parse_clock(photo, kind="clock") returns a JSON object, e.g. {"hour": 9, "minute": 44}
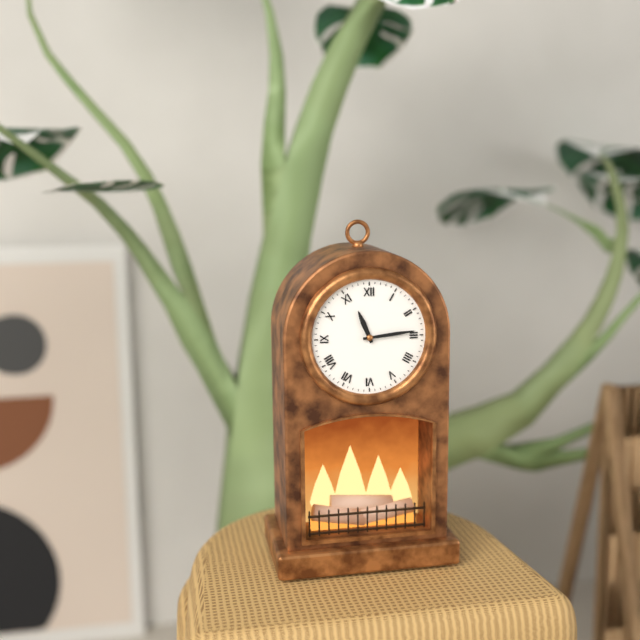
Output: {"hour": 11, "minute": 14}
